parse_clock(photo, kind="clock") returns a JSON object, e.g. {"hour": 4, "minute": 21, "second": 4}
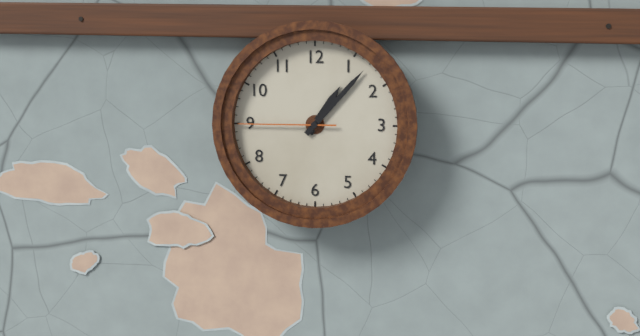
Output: {"hour": 1, "minute": 7, "second": 45}
